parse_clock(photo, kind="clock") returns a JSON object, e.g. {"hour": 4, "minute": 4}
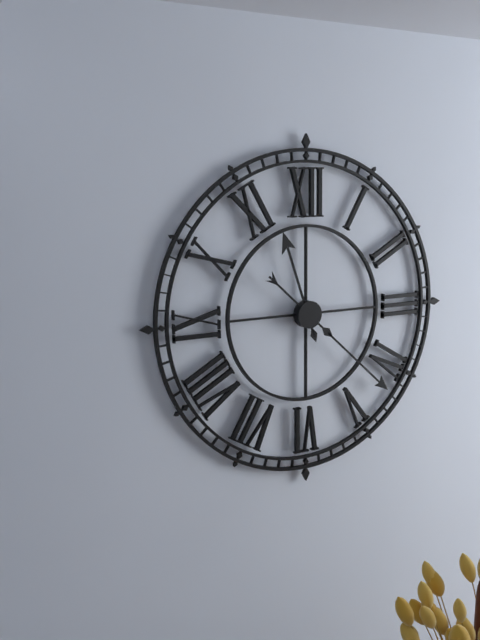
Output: {"hour": 11, "minute": 22}
